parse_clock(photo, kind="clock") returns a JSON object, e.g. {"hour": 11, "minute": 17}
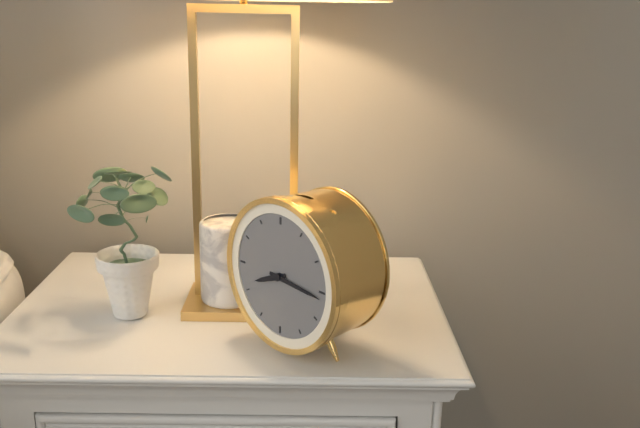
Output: {"hour": 8, "minute": 16}
